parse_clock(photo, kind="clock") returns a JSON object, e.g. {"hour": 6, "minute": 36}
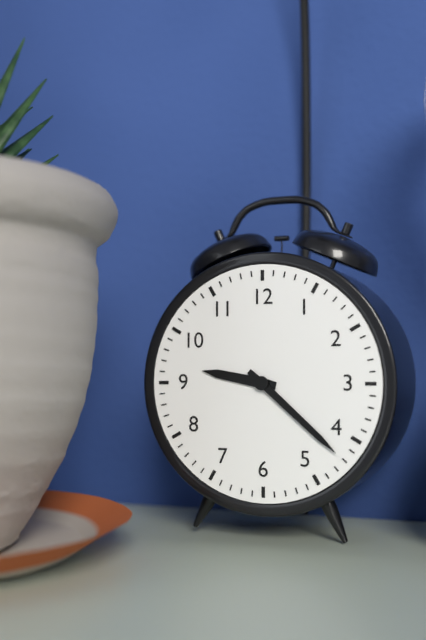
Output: {"hour": 9, "minute": 22}
